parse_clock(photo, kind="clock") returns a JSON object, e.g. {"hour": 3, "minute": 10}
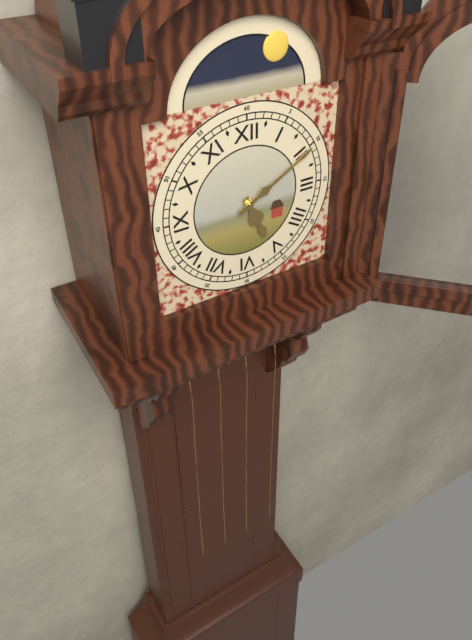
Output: {"hour": 5, "minute": 10}
